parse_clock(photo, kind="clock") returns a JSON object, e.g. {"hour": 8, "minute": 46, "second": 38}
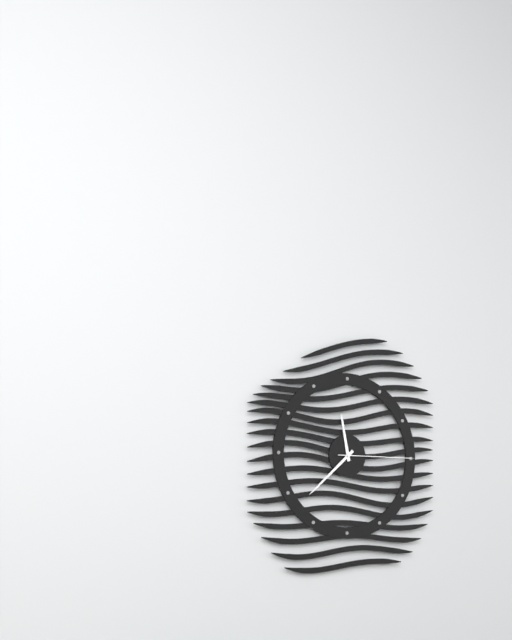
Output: {"hour": 11, "minute": 38, "second": 15}
